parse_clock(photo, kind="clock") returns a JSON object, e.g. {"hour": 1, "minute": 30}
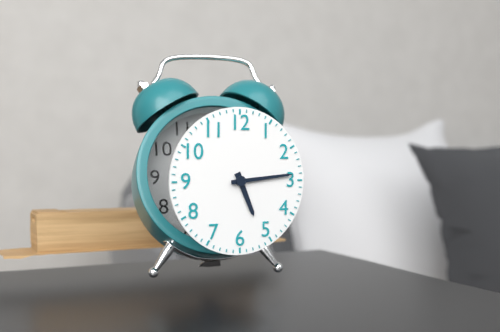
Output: {"hour": 5, "minute": 14}
